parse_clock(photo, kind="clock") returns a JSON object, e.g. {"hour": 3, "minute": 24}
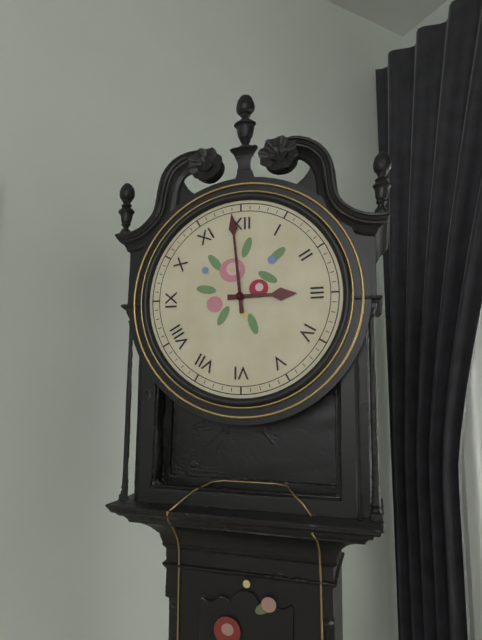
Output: {"hour": 2, "minute": 59}
